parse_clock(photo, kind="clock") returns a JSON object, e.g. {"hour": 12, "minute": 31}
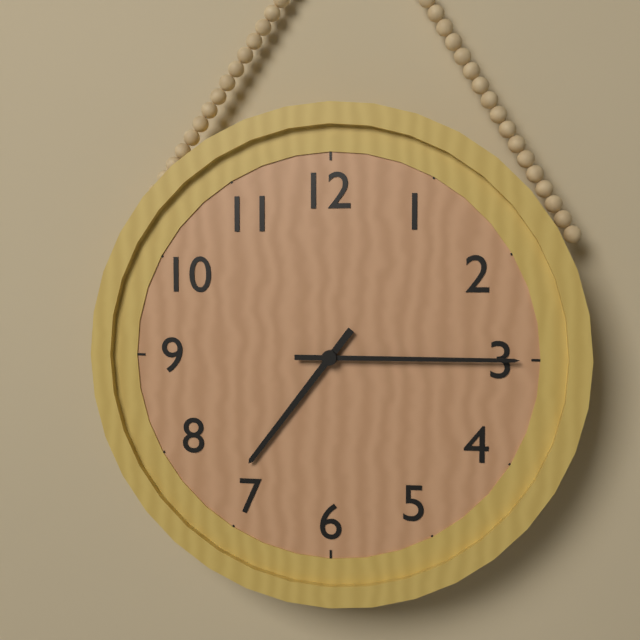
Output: {"hour": 7, "minute": 15}
